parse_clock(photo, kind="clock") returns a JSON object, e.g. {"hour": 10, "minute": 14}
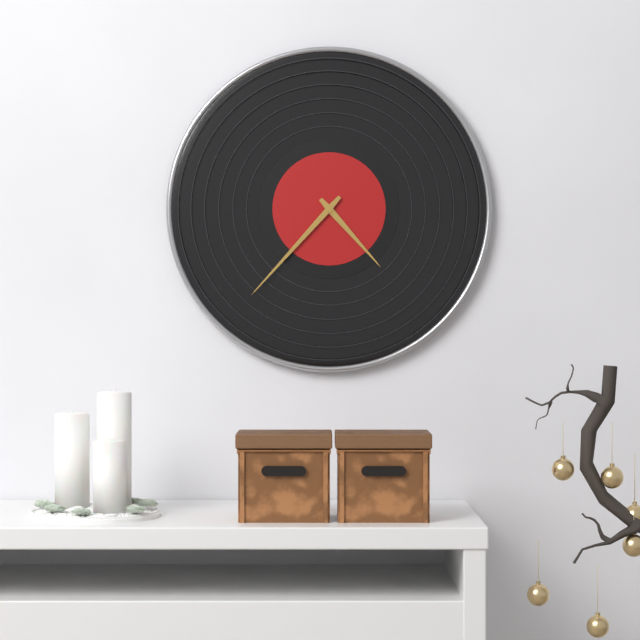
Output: {"hour": 4, "minute": 37}
